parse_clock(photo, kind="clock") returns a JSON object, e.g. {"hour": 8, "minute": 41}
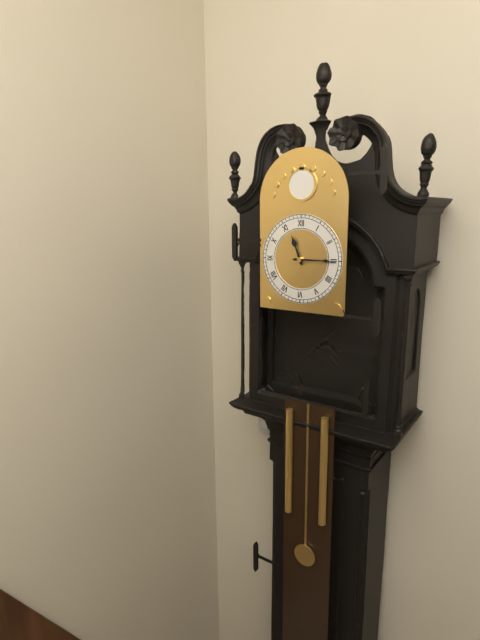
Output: {"hour": 11, "minute": 15}
